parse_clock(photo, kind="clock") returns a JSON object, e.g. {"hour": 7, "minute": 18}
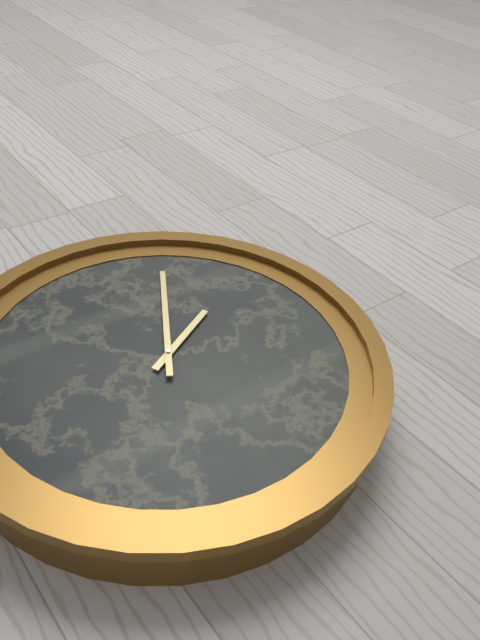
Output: {"hour": 2, "minute": 5}
